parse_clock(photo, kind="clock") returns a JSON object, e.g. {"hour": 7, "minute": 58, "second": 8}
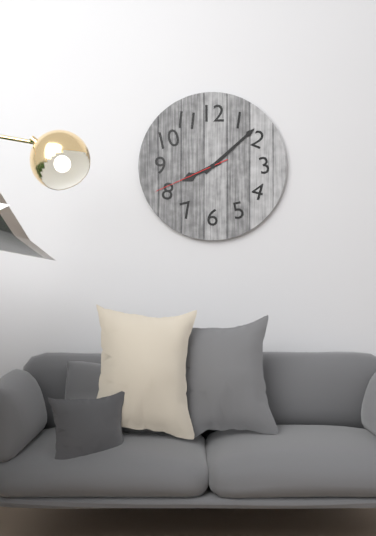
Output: {"hour": 8, "minute": 8, "second": 41}
